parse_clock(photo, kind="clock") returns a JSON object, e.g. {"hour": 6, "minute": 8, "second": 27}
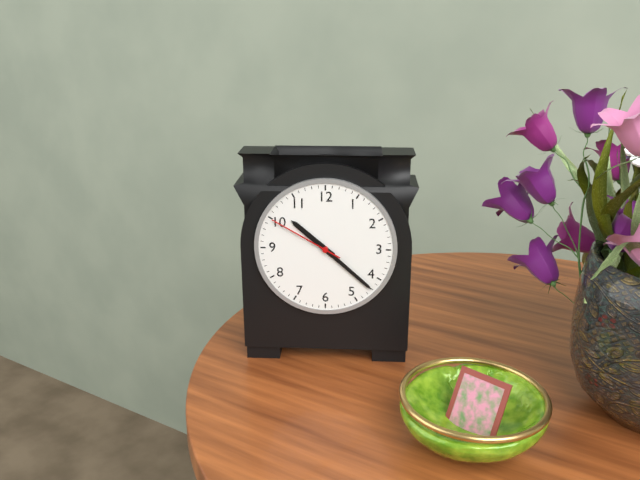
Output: {"hour": 10, "minute": 22, "second": 50}
